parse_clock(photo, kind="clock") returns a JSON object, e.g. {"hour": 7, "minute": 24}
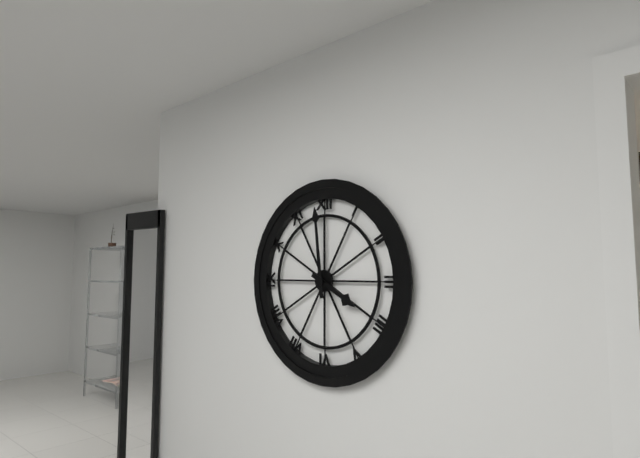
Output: {"hour": 3, "minute": 59}
